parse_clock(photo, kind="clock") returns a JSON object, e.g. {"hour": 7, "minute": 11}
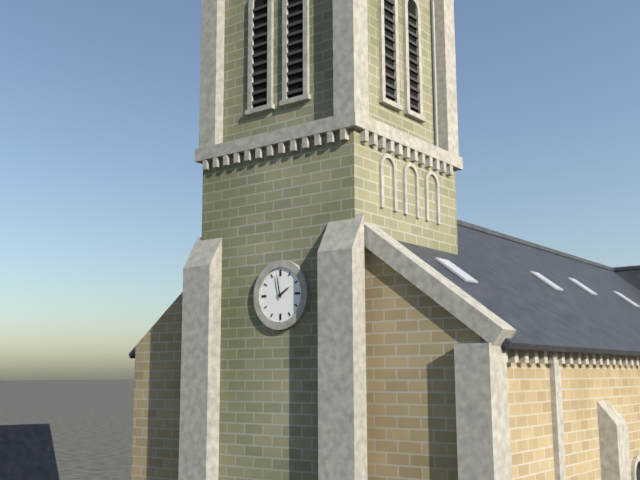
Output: {"hour": 1, "minute": 58}
